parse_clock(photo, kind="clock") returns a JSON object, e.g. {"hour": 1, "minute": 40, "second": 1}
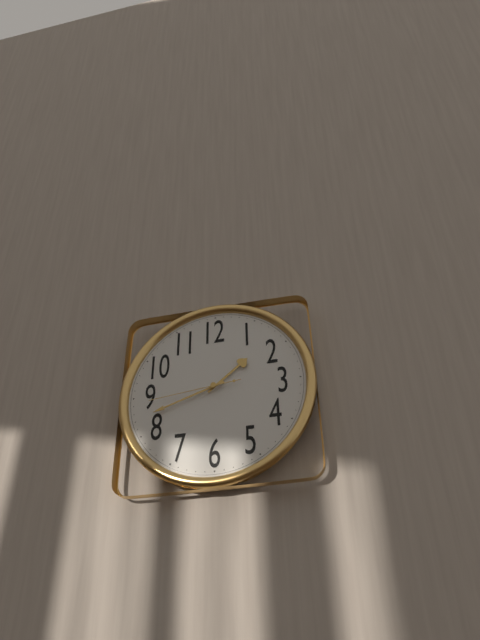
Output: {"hour": 1, "minute": 42, "second": 44}
